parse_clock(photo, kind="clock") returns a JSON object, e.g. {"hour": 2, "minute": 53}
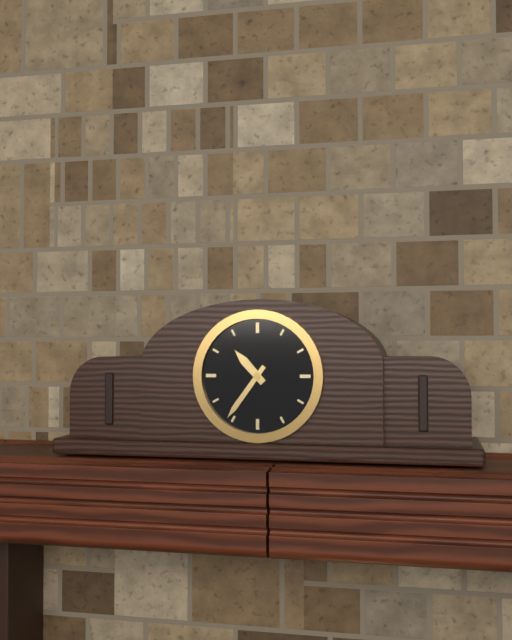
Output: {"hour": 10, "minute": 36}
